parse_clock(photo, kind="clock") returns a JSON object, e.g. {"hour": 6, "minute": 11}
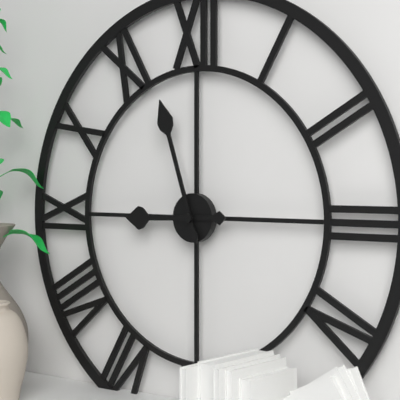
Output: {"hour": 8, "minute": 57}
